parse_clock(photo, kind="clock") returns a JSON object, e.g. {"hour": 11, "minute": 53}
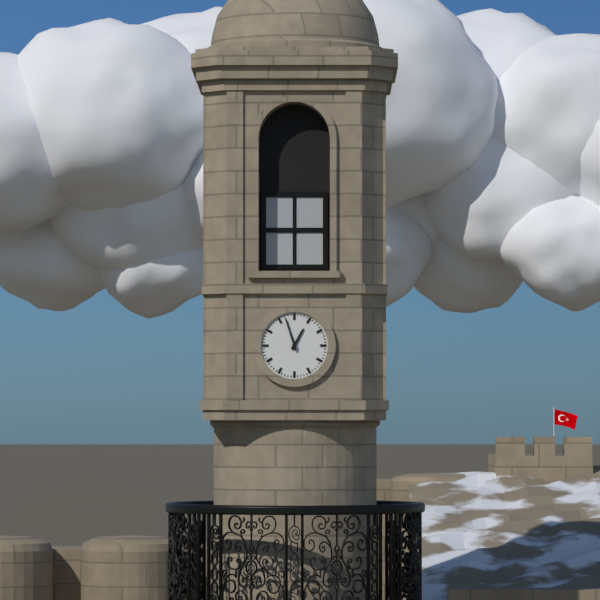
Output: {"hour": 12, "minute": 57}
